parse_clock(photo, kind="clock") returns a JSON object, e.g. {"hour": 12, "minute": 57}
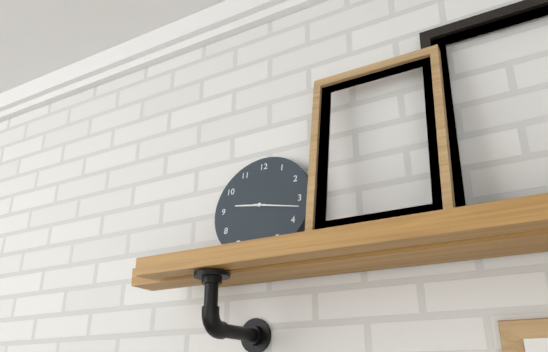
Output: {"hour": 9, "minute": 17}
